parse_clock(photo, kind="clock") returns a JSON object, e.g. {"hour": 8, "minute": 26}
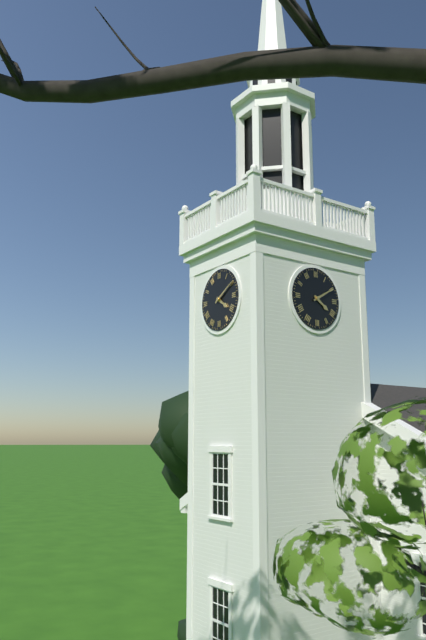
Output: {"hour": 4, "minute": 10}
